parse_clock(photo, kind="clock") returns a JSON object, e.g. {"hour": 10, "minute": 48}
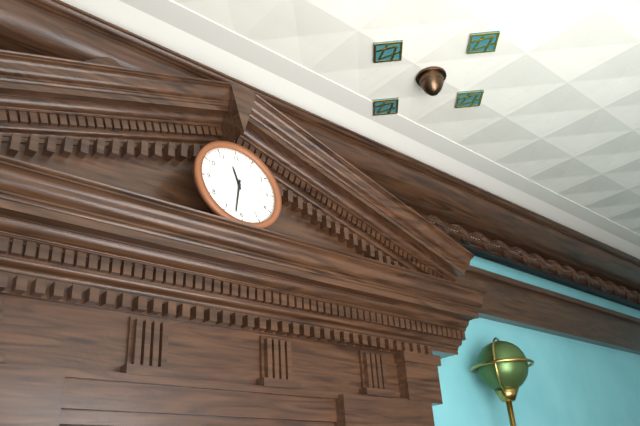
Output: {"hour": 11, "minute": 32}
